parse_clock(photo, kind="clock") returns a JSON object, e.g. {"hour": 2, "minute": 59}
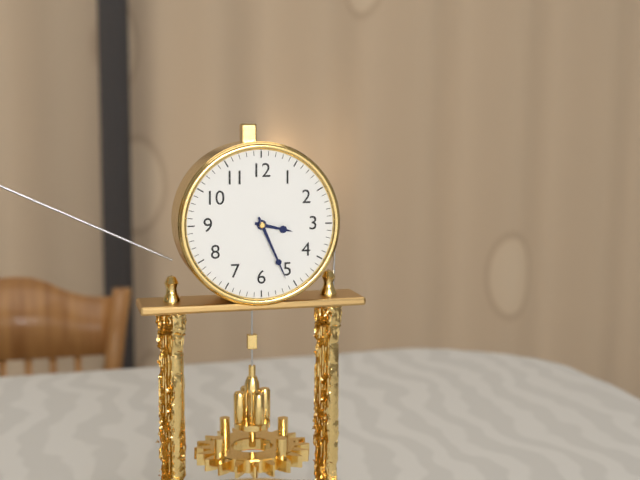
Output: {"hour": 3, "minute": 26}
